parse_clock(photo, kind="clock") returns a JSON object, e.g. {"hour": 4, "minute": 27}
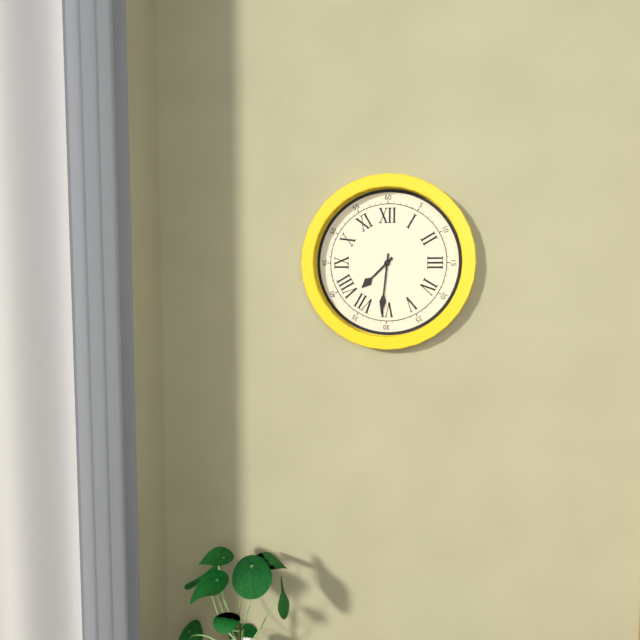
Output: {"hour": 7, "minute": 31}
